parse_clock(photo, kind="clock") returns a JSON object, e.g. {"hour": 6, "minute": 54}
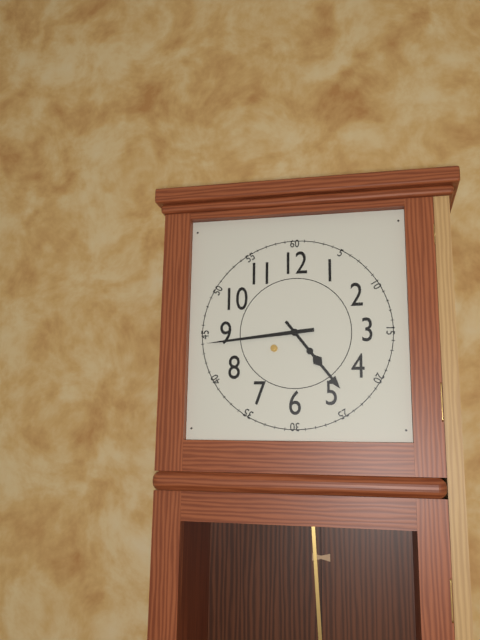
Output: {"hour": 4, "minute": 44}
